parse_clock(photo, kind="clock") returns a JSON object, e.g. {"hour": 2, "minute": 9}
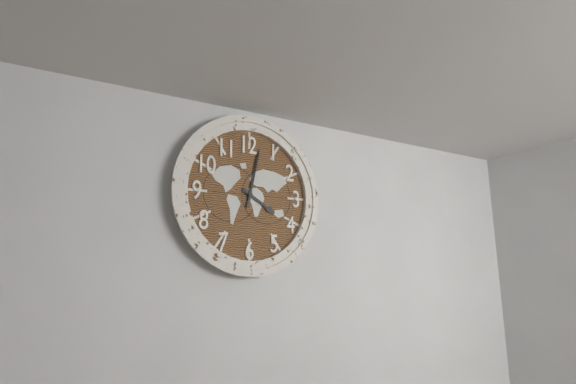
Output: {"hour": 4, "minute": 2}
